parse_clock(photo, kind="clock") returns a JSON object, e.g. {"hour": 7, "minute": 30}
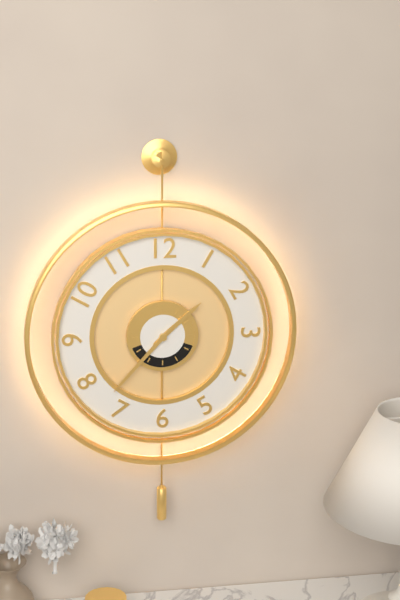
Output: {"hour": 1, "minute": 37}
